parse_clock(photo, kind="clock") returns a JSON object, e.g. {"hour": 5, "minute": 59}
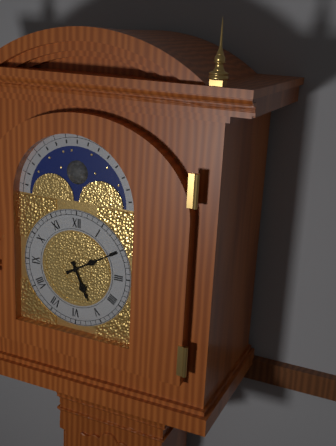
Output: {"hour": 5, "minute": 10}
